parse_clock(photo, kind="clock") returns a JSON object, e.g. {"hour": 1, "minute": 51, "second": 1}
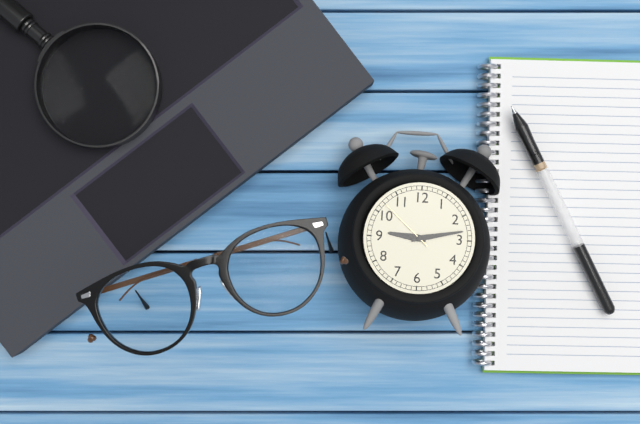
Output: {"hour": 9, "minute": 13, "second": 52}
